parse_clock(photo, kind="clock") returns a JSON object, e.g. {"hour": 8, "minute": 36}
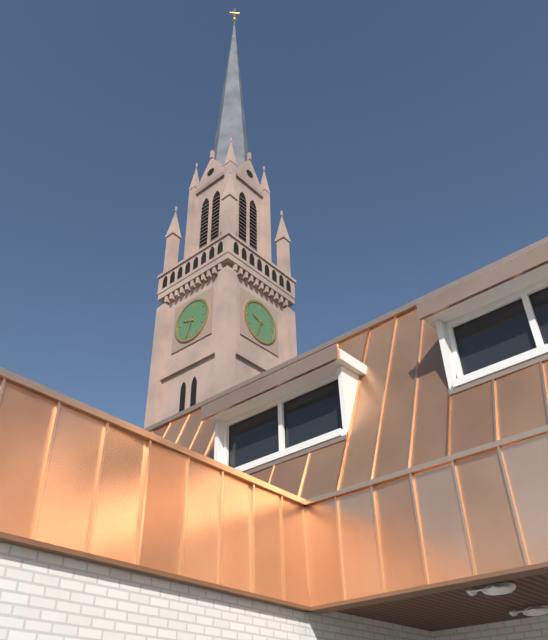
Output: {"hour": 9, "minute": 33}
